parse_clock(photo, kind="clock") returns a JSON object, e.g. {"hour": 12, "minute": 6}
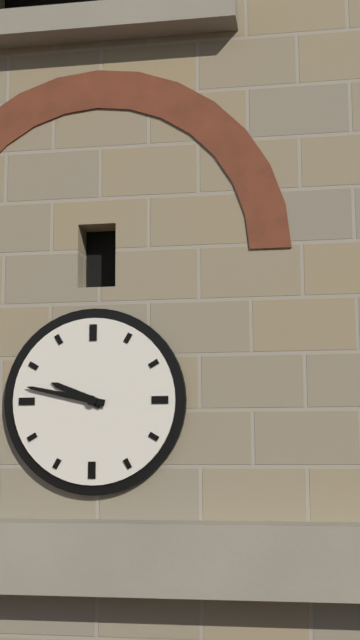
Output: {"hour": 9, "minute": 47}
